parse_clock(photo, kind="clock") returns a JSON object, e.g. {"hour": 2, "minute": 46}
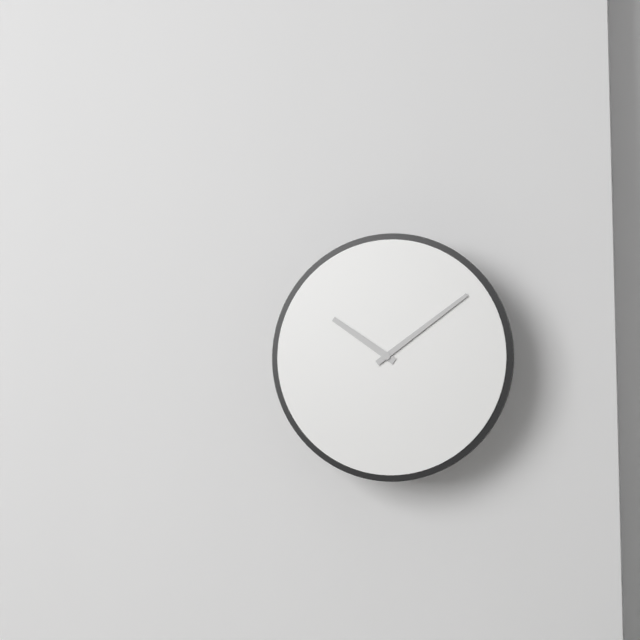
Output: {"hour": 10, "minute": 9}
